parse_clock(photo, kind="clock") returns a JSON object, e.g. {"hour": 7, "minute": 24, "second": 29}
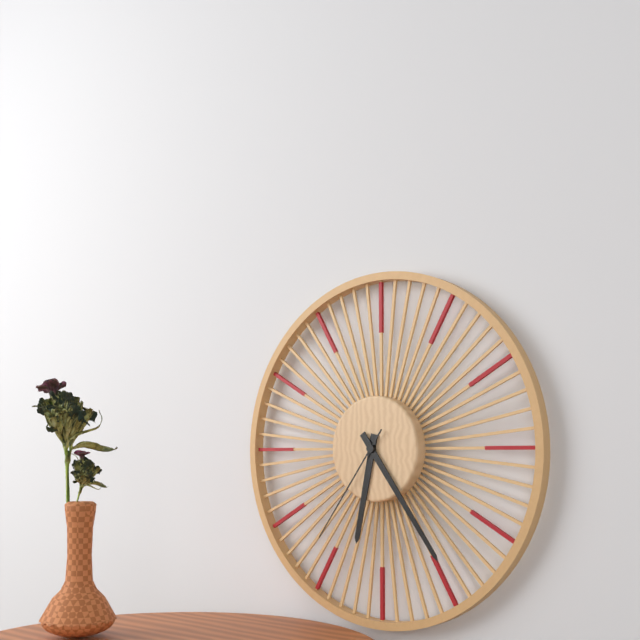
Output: {"hour": 6, "minute": 24, "second": 36}
